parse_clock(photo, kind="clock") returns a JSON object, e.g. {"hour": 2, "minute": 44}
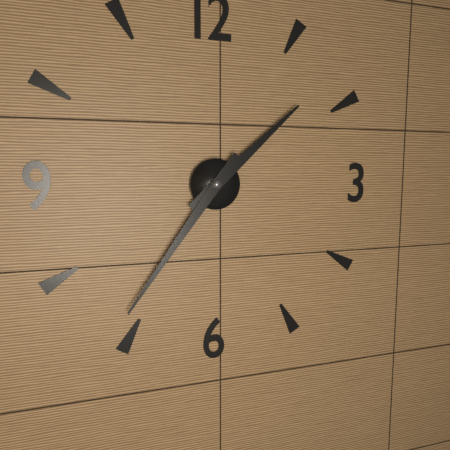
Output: {"hour": 1, "minute": 36}
